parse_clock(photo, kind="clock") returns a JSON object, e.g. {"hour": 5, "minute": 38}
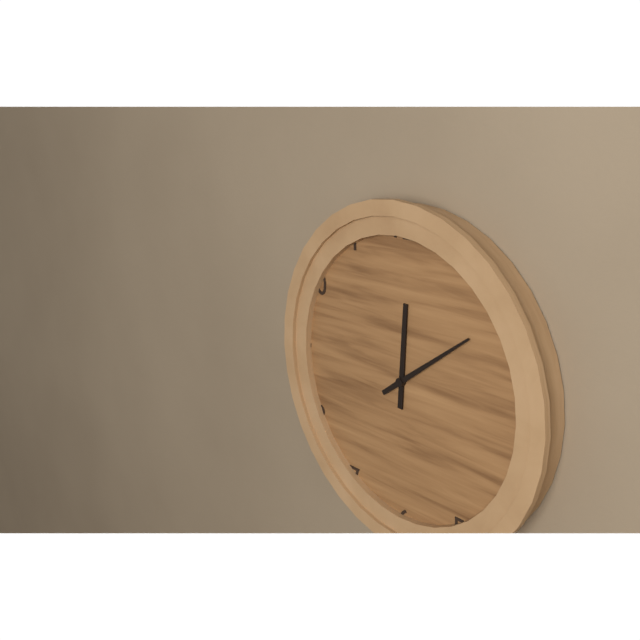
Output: {"hour": 12, "minute": 9}
